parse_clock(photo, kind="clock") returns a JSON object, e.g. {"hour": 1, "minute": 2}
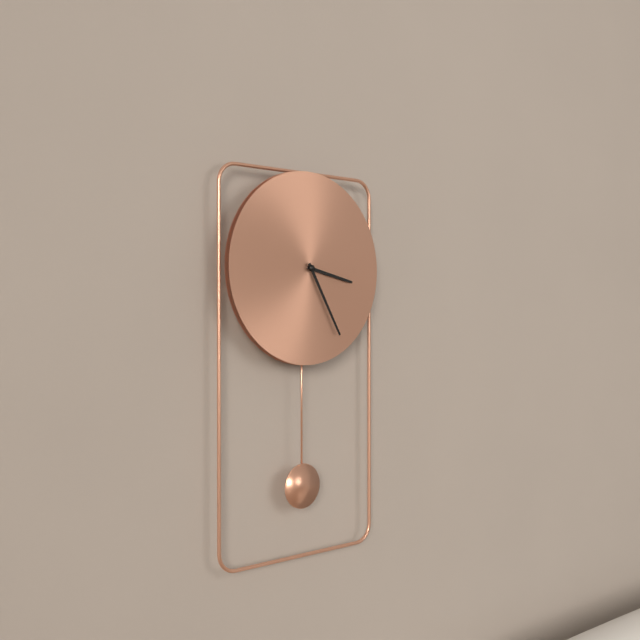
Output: {"hour": 3, "minute": 25}
